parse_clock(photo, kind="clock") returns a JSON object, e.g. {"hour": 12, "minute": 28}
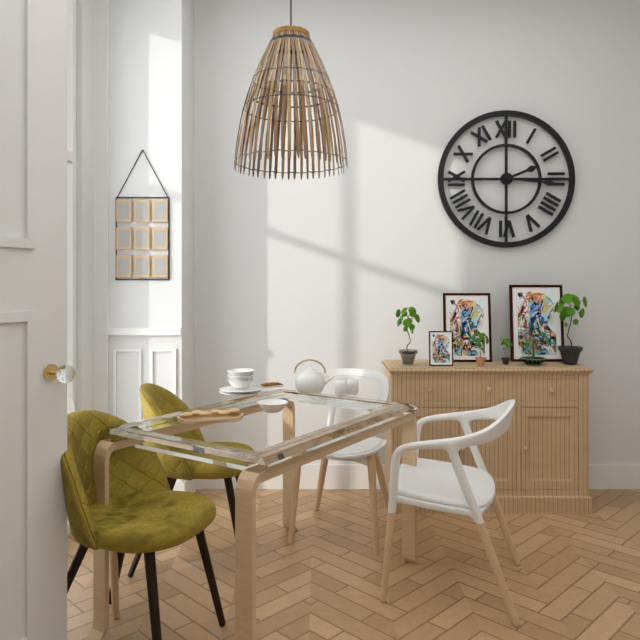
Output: {"hour": 2, "minute": 16}
